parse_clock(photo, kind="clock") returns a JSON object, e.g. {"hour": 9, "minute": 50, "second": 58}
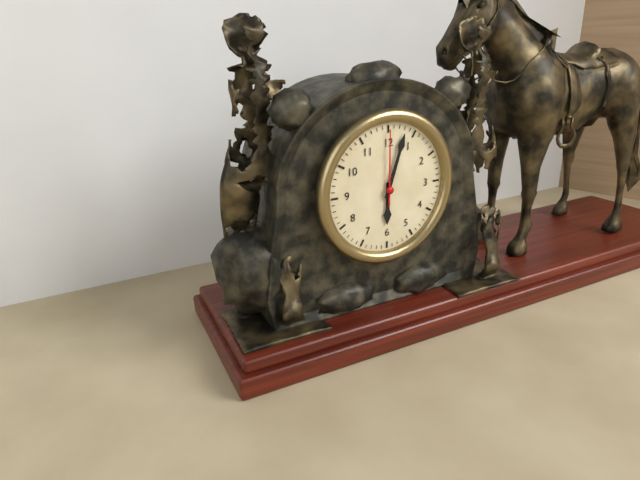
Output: {"hour": 6, "minute": 3, "second": 0}
